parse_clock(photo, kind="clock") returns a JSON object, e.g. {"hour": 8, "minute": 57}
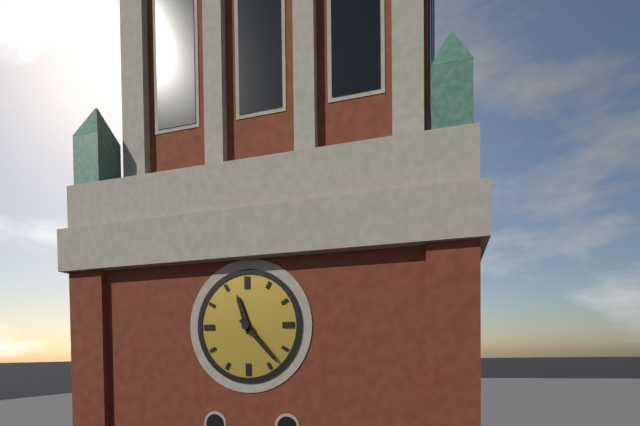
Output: {"hour": 11, "minute": 23}
